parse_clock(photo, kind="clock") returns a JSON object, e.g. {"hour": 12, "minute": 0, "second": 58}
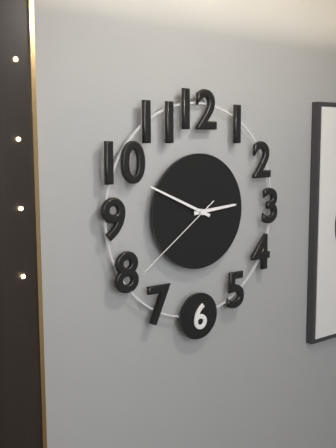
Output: {"hour": 2, "minute": 49, "second": 39}
